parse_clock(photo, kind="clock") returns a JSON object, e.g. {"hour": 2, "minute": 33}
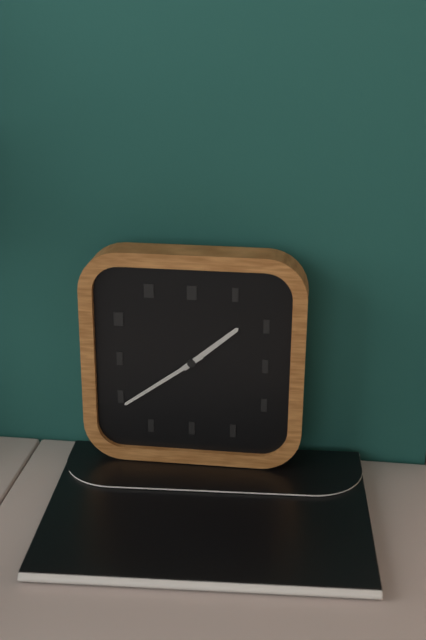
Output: {"hour": 1, "minute": 39}
